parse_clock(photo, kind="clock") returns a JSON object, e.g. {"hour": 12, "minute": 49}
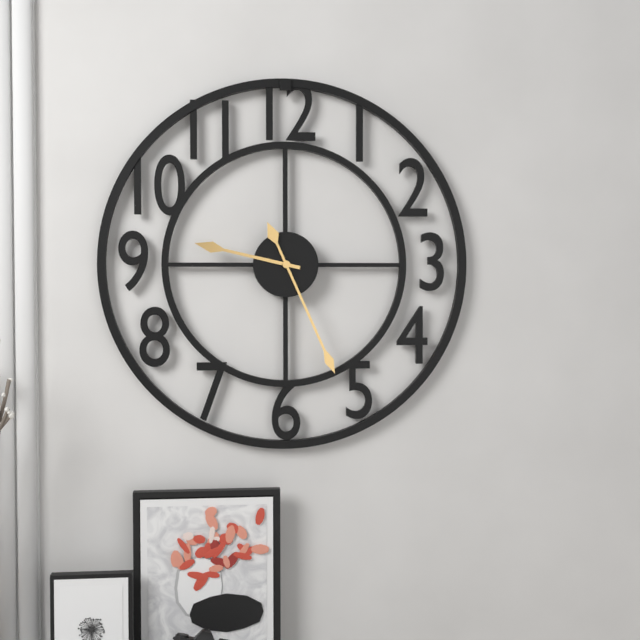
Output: {"hour": 9, "minute": 26}
